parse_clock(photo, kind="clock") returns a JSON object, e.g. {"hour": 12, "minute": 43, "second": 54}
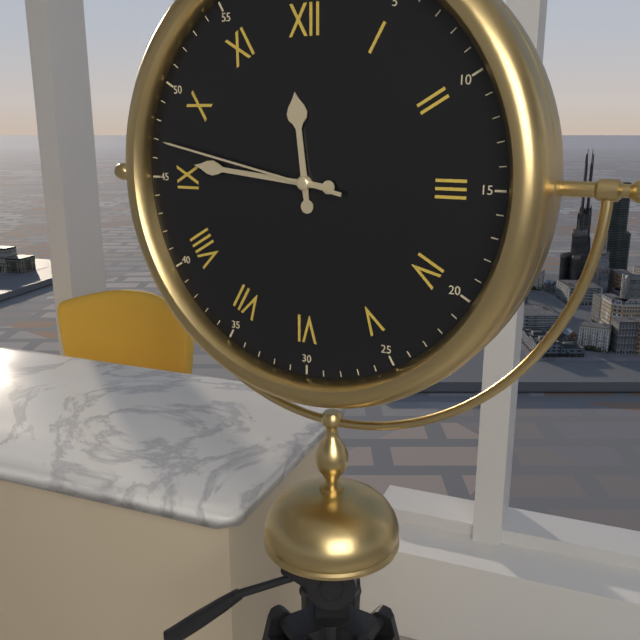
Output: {"hour": 11, "minute": 46, "second": 47}
